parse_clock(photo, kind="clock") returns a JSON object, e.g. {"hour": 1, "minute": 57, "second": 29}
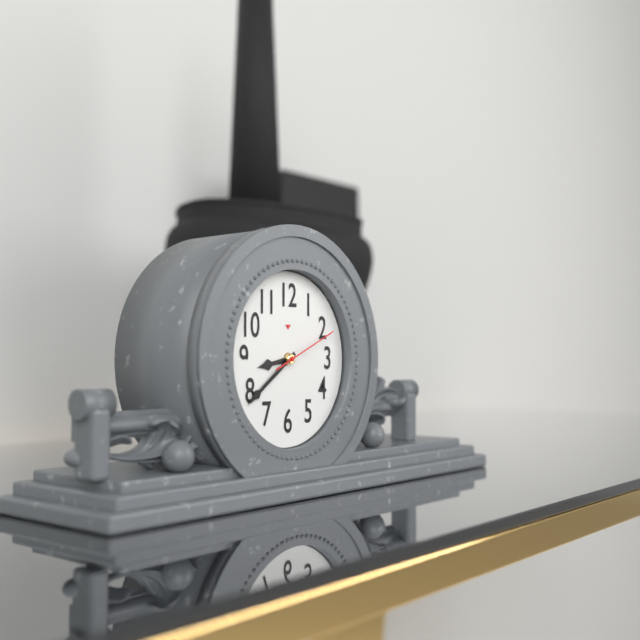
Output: {"hour": 8, "minute": 39, "second": 11}
